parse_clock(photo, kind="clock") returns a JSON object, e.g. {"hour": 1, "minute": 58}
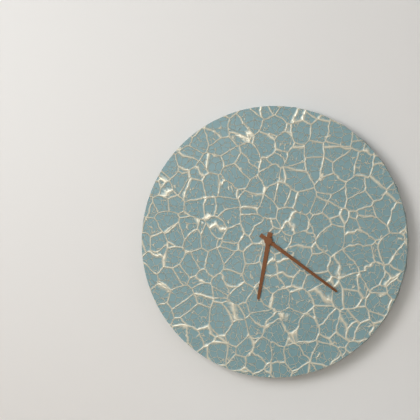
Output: {"hour": 6, "minute": 21}
